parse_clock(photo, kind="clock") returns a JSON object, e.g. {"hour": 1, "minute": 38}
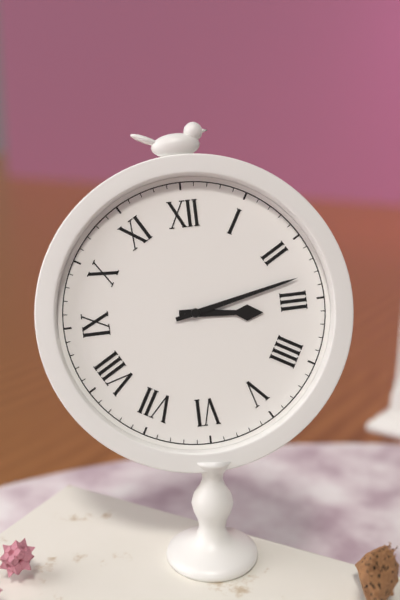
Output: {"hour": 3, "minute": 13}
